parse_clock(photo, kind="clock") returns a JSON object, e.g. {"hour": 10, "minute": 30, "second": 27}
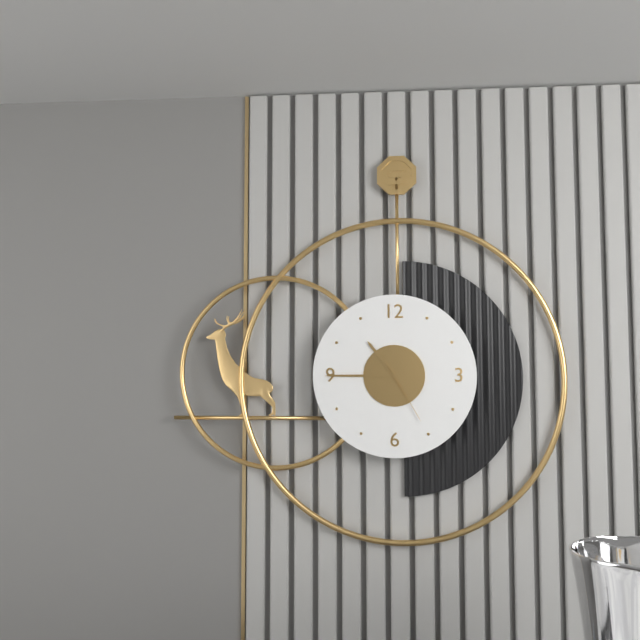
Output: {"hour": 10, "minute": 45, "second": 25}
